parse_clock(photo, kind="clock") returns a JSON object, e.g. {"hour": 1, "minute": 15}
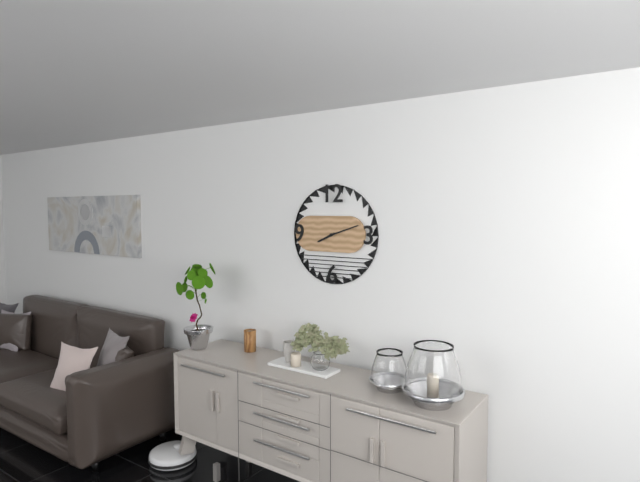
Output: {"hour": 8, "minute": 12}
